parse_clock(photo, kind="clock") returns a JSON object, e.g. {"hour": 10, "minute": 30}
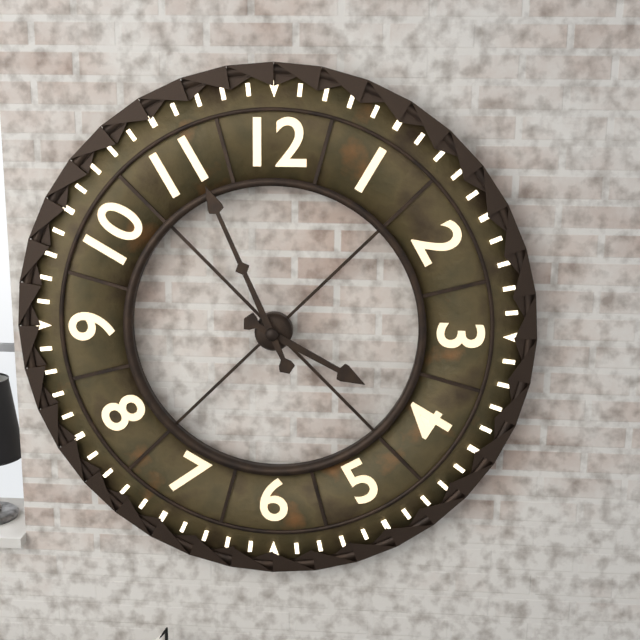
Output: {"hour": 3, "minute": 56}
